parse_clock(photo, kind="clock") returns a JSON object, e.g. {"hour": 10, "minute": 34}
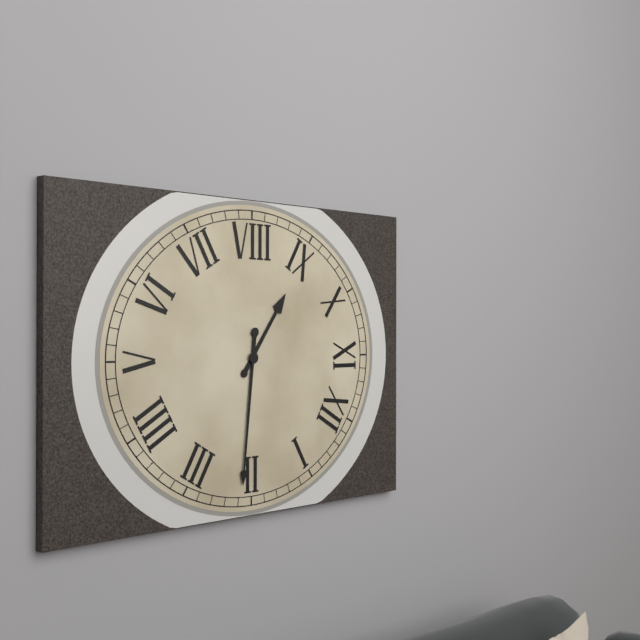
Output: {"hour": 9, "minute": 11}
